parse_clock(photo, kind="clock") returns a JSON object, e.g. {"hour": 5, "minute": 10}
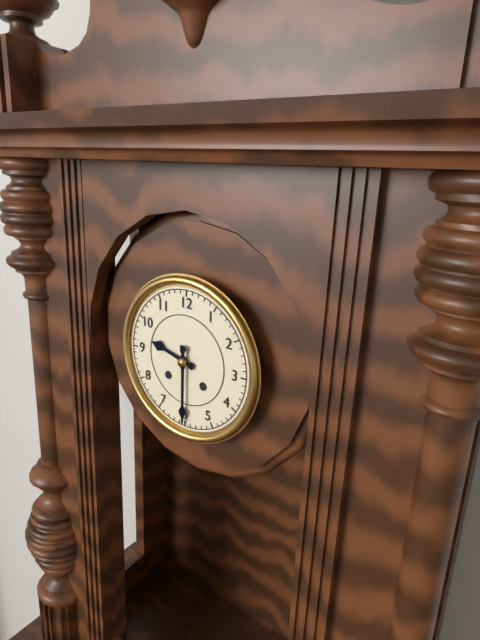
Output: {"hour": 9, "minute": 30}
